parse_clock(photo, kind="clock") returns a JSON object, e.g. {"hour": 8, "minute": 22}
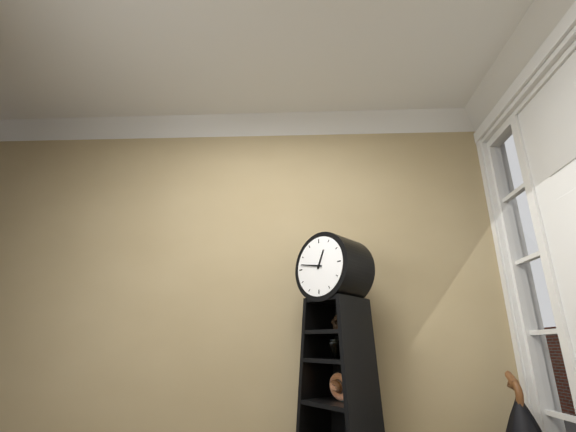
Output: {"hour": 12, "minute": 47}
